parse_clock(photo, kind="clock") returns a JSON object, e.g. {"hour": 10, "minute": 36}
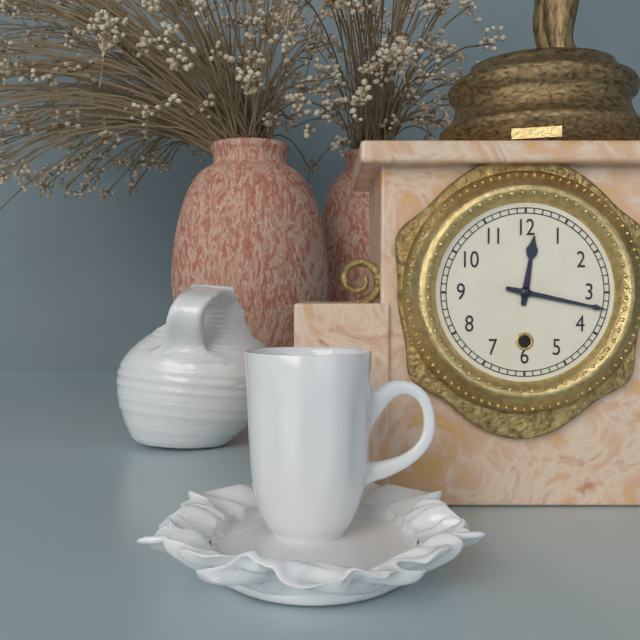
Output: {"hour": 12, "minute": 17}
